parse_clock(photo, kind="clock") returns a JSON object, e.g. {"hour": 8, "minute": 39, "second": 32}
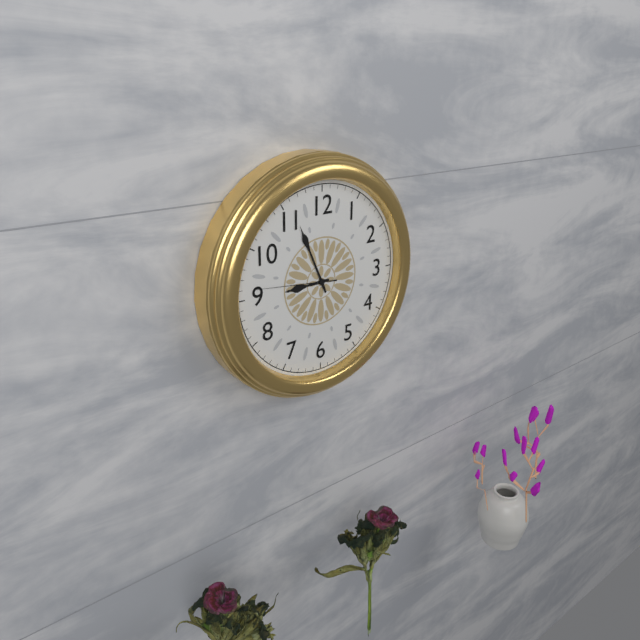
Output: {"hour": 8, "minute": 56, "second": 46}
